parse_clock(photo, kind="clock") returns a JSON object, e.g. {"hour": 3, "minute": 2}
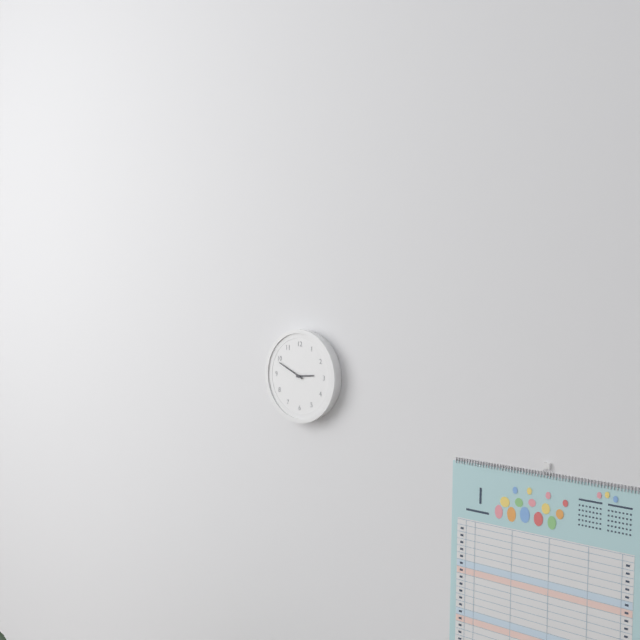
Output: {"hour": 2, "minute": 49}
